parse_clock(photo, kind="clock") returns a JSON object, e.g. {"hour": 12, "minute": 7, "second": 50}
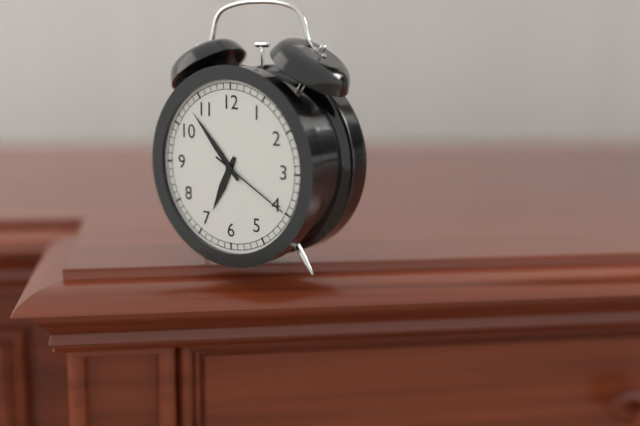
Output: {"hour": 6, "minute": 53, "second": 20}
